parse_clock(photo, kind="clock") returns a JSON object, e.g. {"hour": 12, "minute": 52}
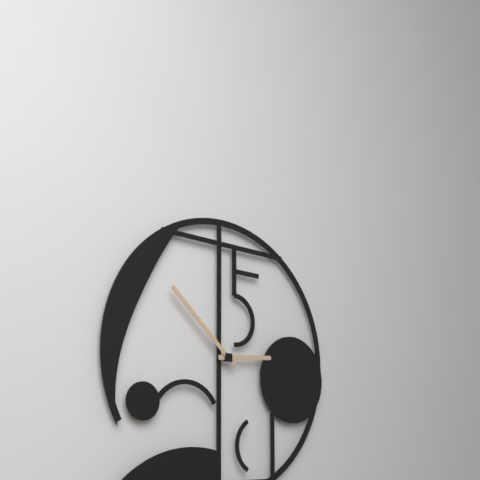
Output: {"hour": 2, "minute": 52}
